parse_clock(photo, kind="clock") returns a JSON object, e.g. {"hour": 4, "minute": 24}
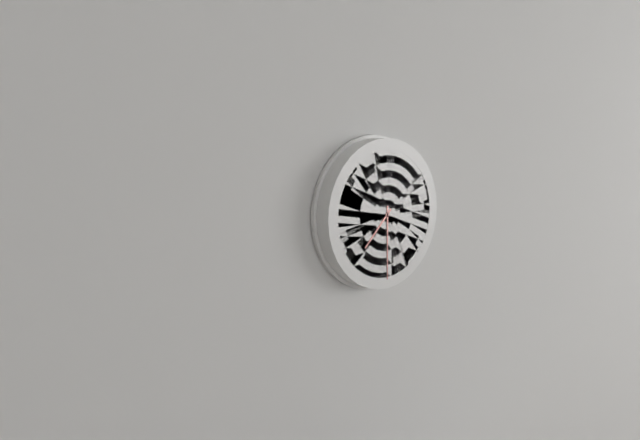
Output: {"hour": 7, "minute": 30}
